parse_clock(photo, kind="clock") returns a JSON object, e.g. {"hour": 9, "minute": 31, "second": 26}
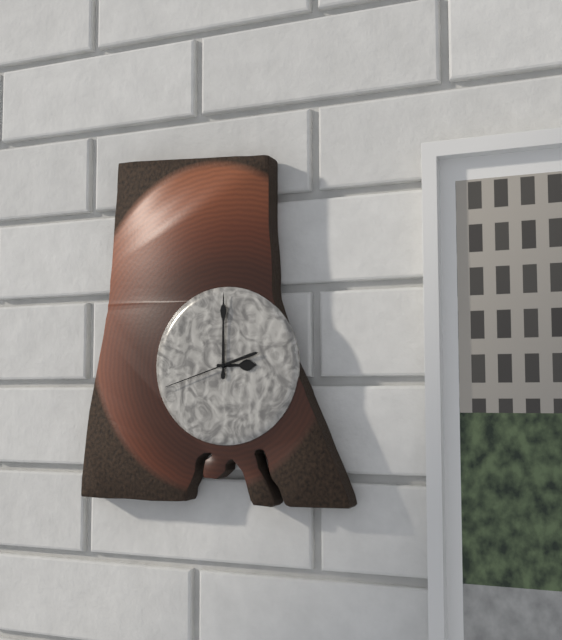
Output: {"hour": 3, "minute": 0, "second": 42}
